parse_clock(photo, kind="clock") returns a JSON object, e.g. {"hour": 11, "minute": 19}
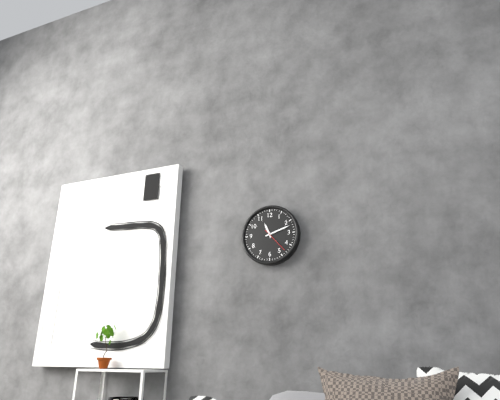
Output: {"hour": 11, "minute": 12}
